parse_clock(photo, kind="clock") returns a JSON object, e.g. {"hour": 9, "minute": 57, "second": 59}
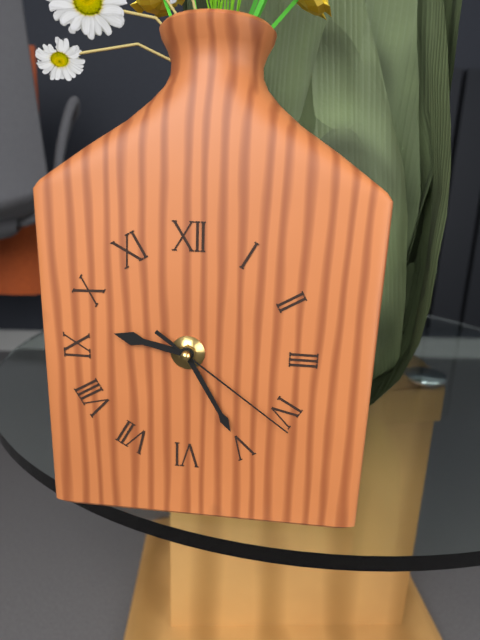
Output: {"hour": 9, "minute": 25, "second": 21}
